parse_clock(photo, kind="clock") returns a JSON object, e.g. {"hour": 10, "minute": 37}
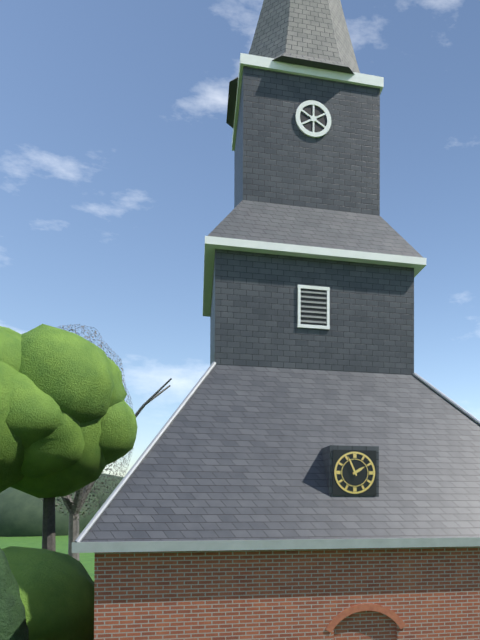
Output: {"hour": 1, "minute": 56}
